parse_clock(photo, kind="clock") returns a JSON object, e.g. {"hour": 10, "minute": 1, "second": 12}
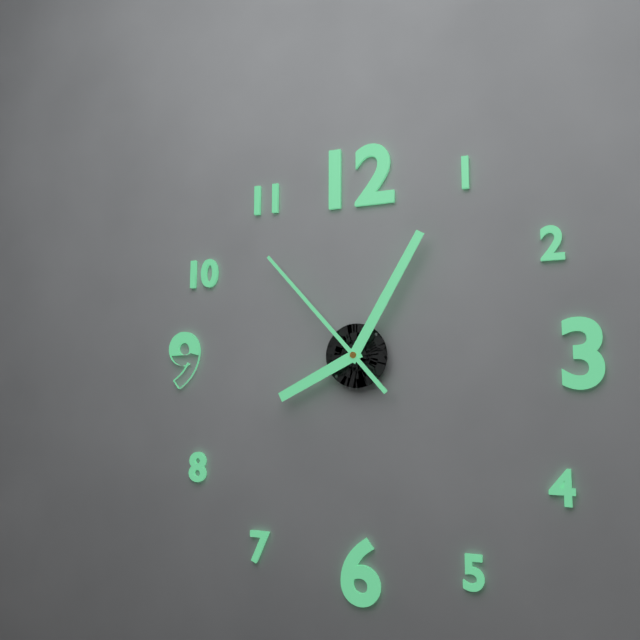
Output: {"hour": 8, "minute": 5, "second": 53}
